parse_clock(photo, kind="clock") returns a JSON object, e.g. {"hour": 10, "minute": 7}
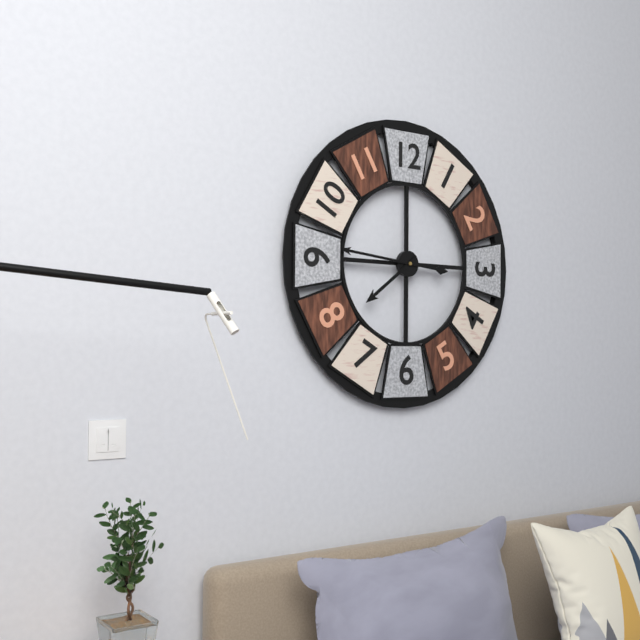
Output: {"hour": 7, "minute": 46}
